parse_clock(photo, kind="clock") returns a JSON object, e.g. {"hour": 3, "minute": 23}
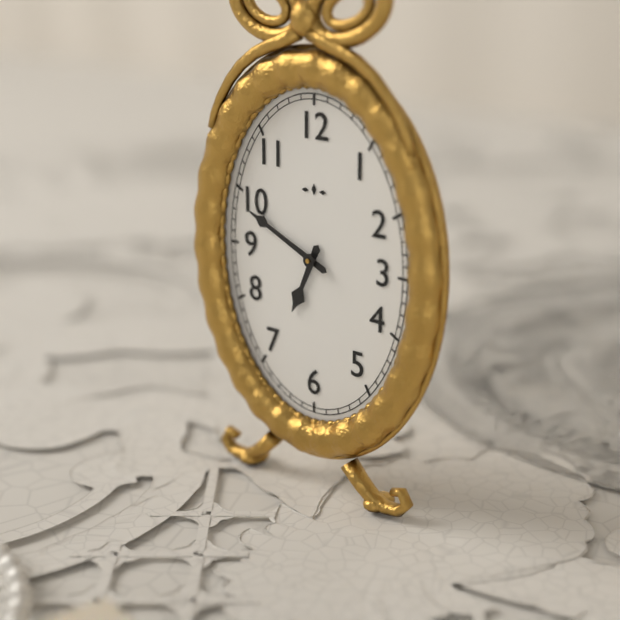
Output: {"hour": 6, "minute": 49}
